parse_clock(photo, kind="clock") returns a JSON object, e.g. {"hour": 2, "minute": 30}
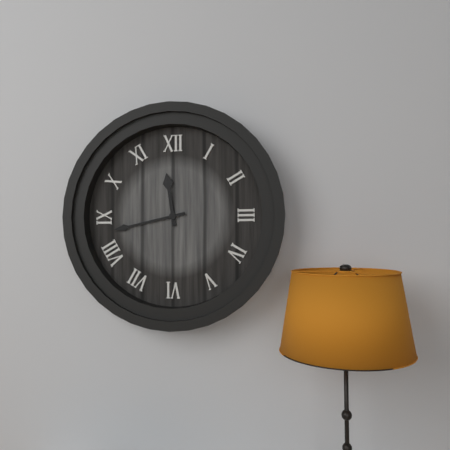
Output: {"hour": 11, "minute": 43}
